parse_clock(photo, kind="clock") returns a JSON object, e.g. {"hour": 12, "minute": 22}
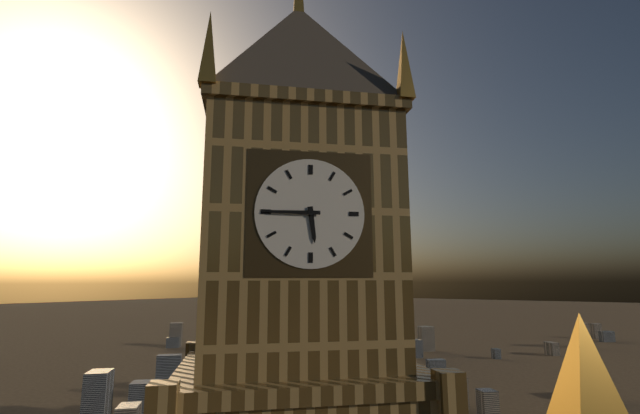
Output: {"hour": 5, "minute": 45}
